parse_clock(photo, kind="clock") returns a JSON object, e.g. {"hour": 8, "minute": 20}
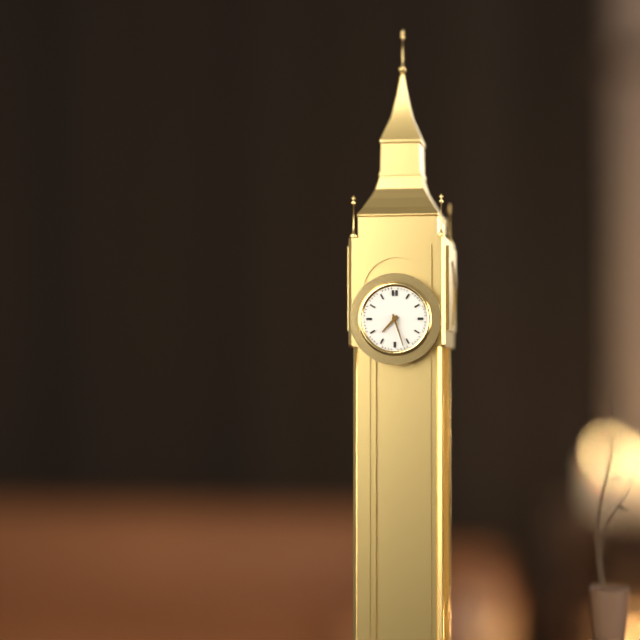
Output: {"hour": 7, "minute": 27}
